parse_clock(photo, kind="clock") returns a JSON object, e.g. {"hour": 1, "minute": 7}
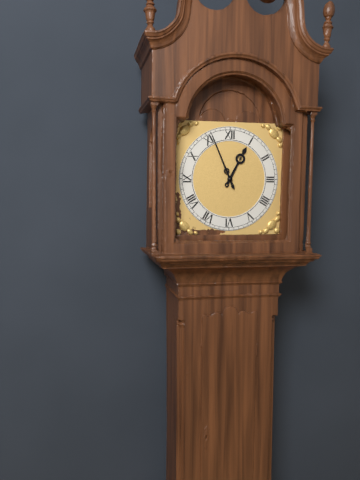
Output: {"hour": 12, "minute": 56}
